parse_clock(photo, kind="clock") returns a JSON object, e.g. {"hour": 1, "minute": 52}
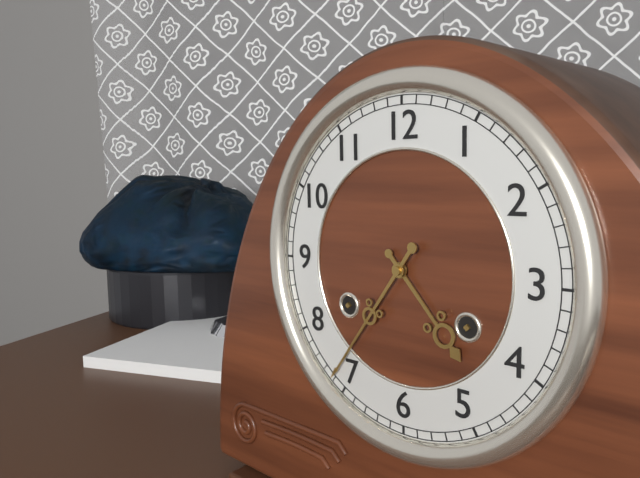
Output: {"hour": 4, "minute": 36}
